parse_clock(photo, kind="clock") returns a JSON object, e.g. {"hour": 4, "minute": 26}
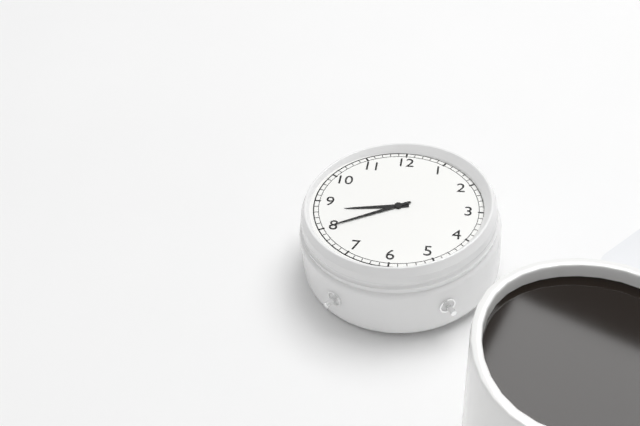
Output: {"hour": 8, "minute": 40}
